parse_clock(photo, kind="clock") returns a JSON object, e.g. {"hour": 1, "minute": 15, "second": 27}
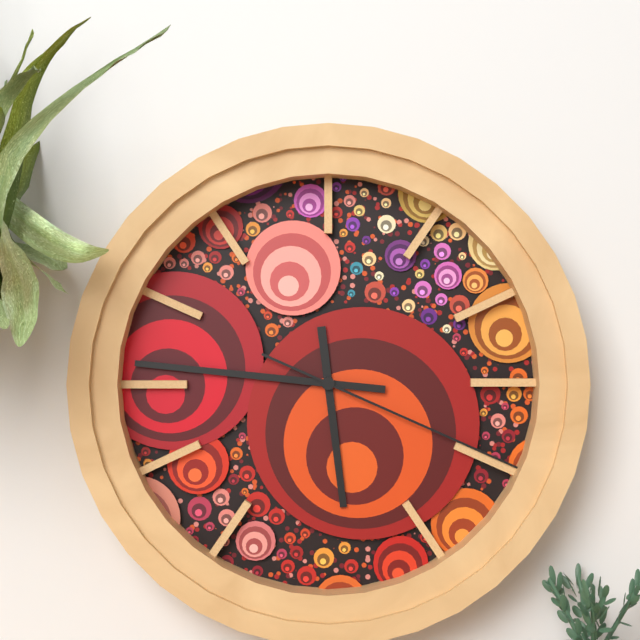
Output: {"hour": 5, "minute": 46, "second": 19}
